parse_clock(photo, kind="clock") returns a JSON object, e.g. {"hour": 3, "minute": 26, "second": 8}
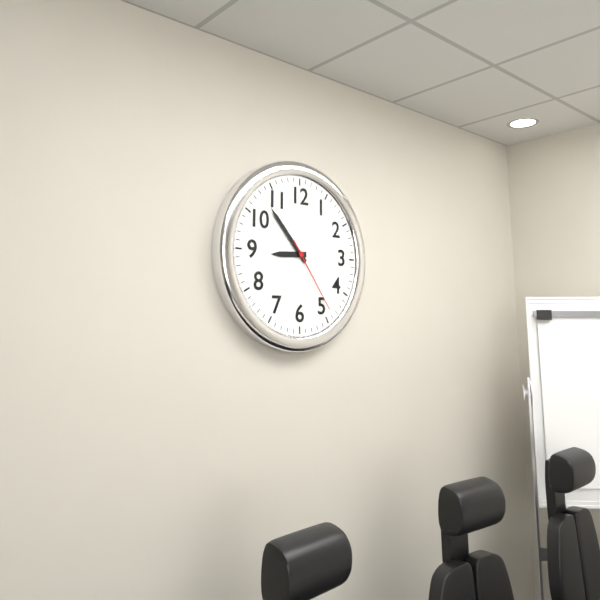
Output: {"hour": 8, "minute": 53, "second": 24}
